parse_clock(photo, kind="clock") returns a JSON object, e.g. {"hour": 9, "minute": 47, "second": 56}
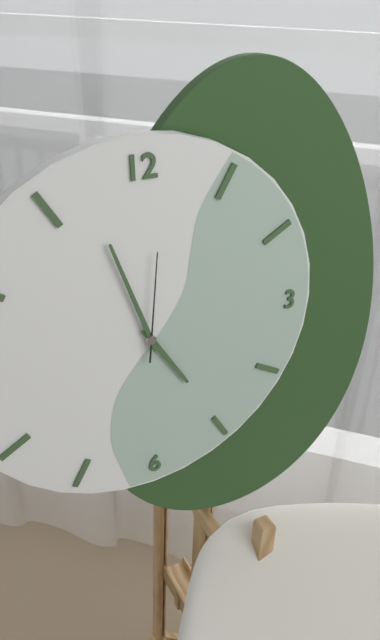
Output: {"hour": 4, "minute": 57, "second": 1}
